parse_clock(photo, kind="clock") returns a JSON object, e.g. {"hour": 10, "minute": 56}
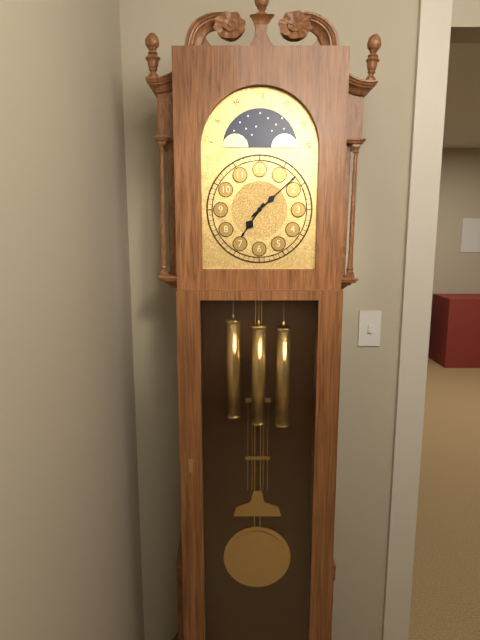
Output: {"hour": 7, "minute": 8}
